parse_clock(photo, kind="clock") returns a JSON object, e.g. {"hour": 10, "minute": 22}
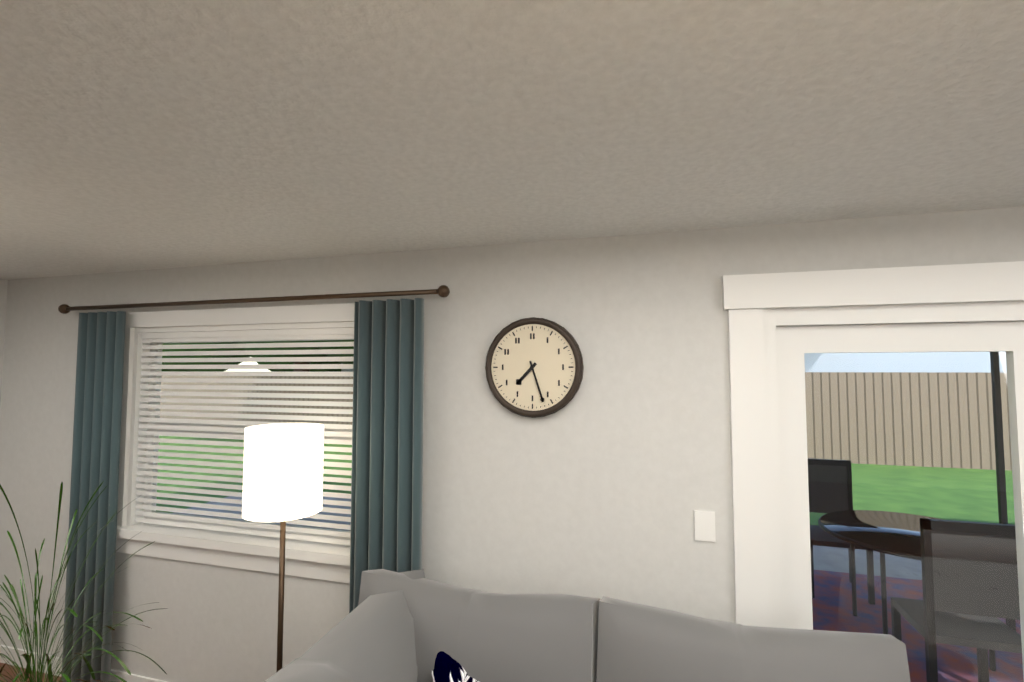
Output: {"hour": 7, "minute": 27}
